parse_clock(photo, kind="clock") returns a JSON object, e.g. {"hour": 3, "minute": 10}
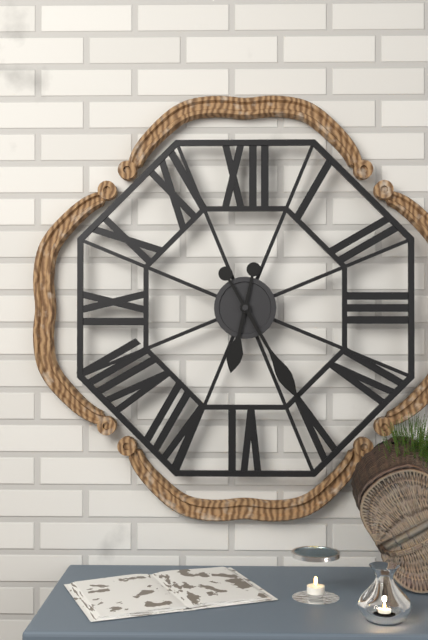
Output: {"hour": 6, "minute": 25}
